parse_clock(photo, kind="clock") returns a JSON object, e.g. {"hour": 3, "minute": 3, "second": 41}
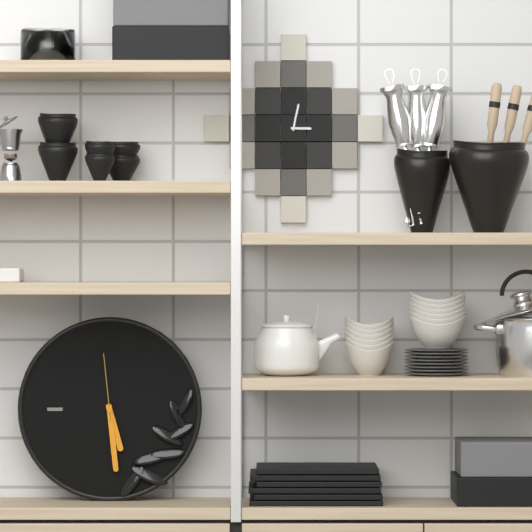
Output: {"hour": 5, "minute": 29, "second": 59}
